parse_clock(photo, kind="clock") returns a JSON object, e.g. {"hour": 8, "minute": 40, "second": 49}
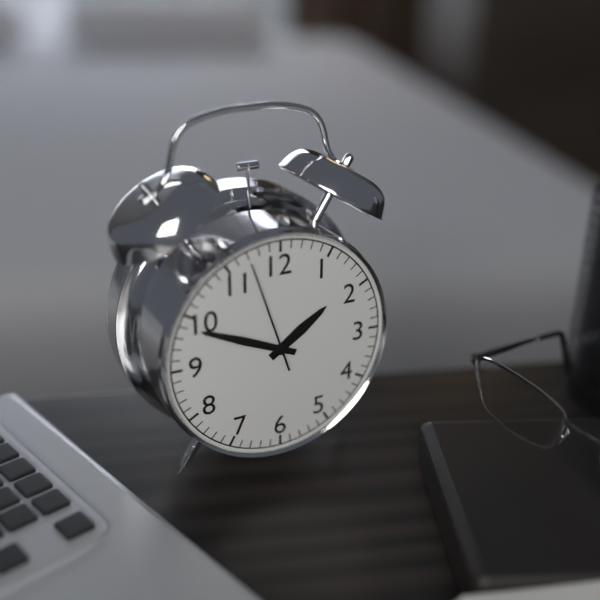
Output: {"hour": 1, "minute": 49, "second": 57}
